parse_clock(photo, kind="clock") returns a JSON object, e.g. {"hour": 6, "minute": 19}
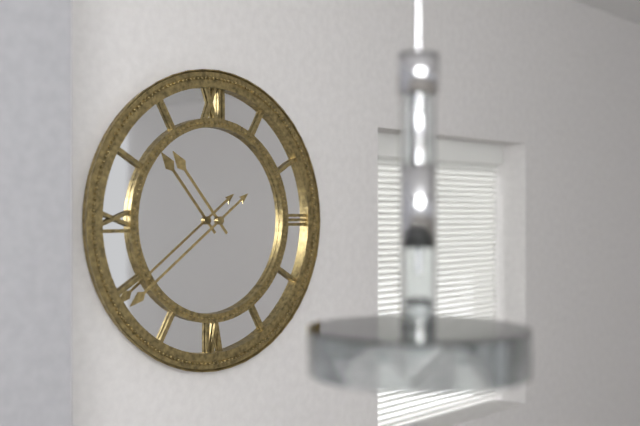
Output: {"hour": 10, "minute": 39}
